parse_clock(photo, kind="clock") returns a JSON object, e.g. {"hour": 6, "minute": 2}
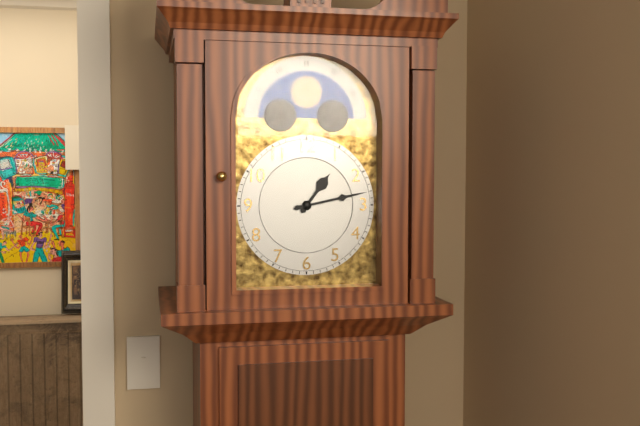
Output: {"hour": 1, "minute": 13}
